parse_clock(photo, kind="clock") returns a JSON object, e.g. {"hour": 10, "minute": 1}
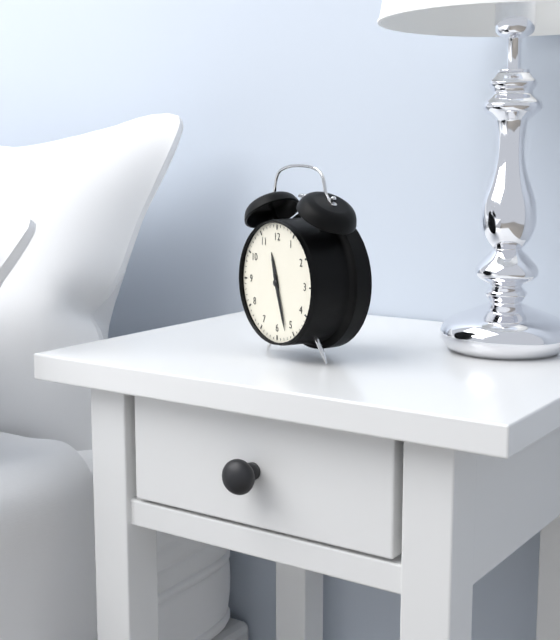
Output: {"hour": 11, "minute": 27}
